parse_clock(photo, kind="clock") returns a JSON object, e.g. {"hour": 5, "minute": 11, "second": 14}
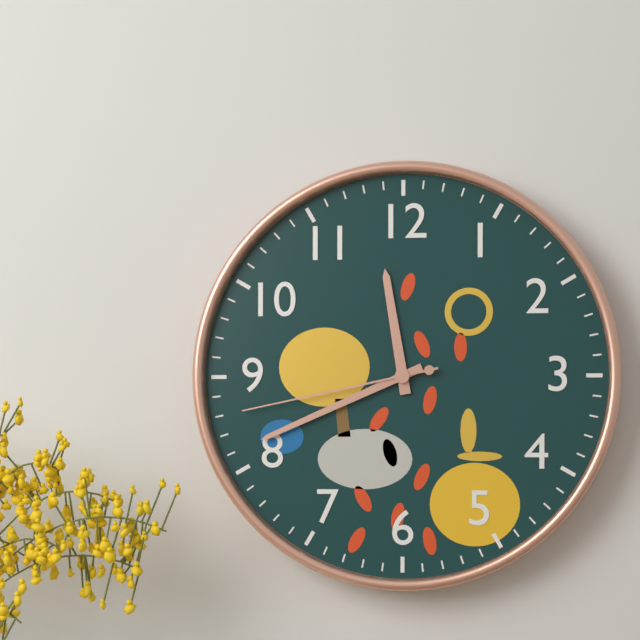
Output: {"hour": 11, "minute": 41, "second": 43}
